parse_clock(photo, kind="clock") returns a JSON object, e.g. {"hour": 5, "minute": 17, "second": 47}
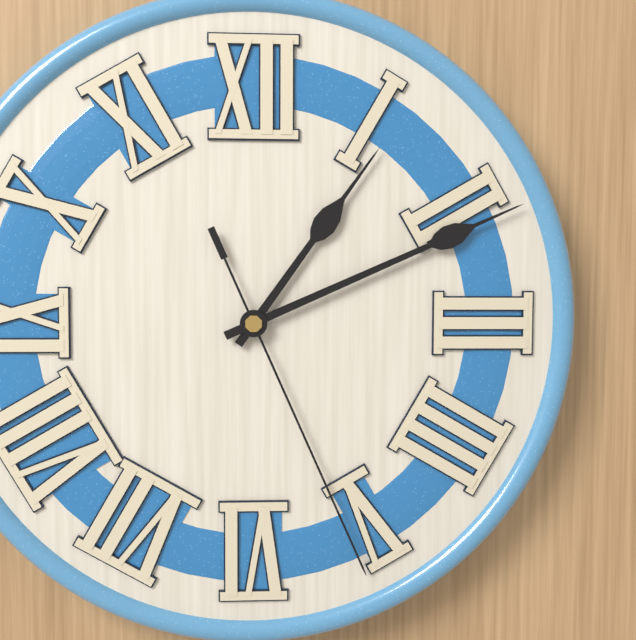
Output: {"hour": 1, "minute": 11, "second": 26}
